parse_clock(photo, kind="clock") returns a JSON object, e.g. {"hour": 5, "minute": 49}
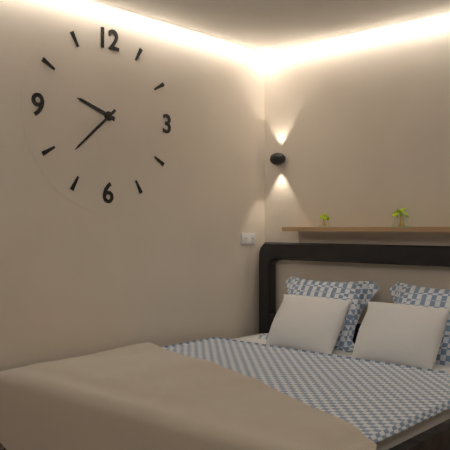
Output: {"hour": 9, "minute": 38}
